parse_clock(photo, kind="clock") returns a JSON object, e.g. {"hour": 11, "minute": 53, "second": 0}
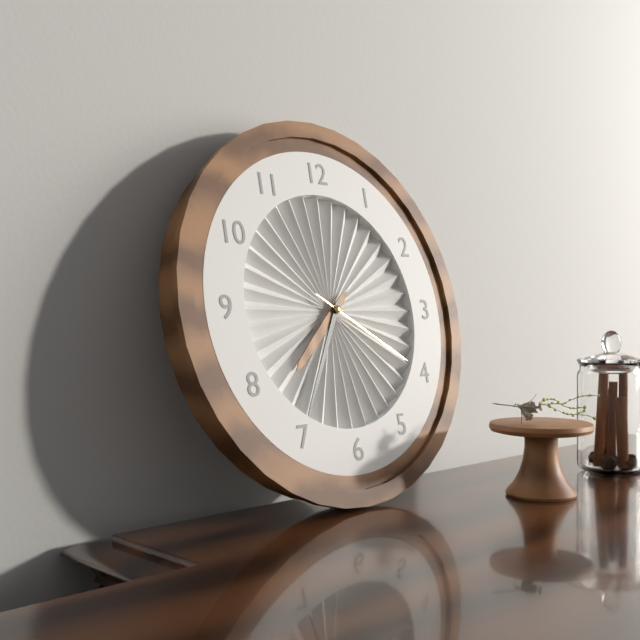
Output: {"hour": 7, "minute": 35, "second": 20}
